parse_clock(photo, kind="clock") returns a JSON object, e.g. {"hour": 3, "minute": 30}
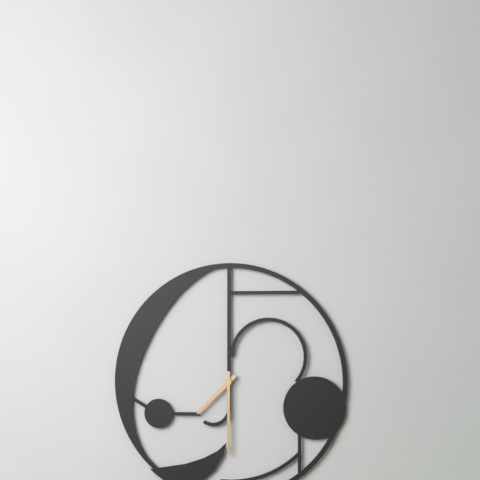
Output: {"hour": 7, "minute": 30}
